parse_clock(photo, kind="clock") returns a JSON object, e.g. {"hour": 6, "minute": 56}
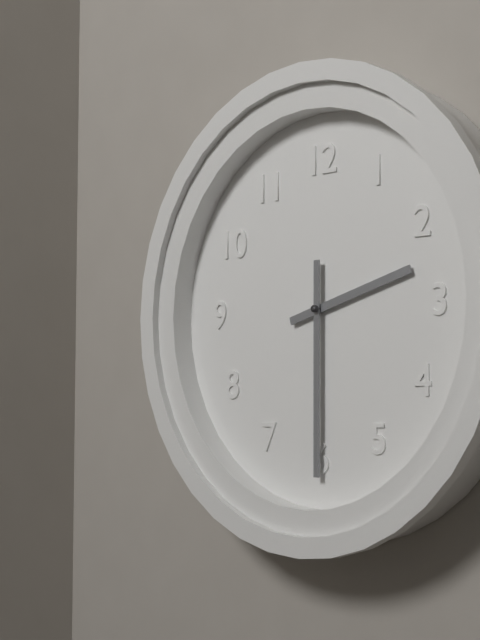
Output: {"hour": 2, "minute": 30}
